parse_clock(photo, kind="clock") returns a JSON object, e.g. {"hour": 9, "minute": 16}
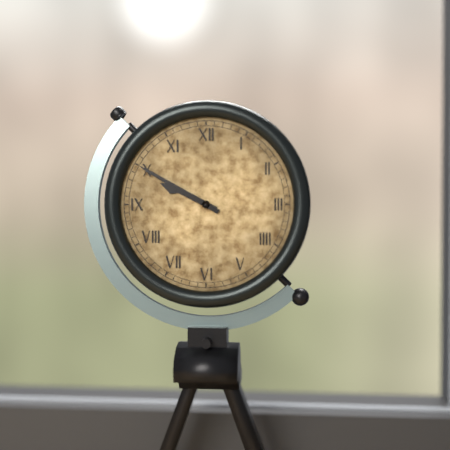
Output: {"hour": 9, "minute": 50}
